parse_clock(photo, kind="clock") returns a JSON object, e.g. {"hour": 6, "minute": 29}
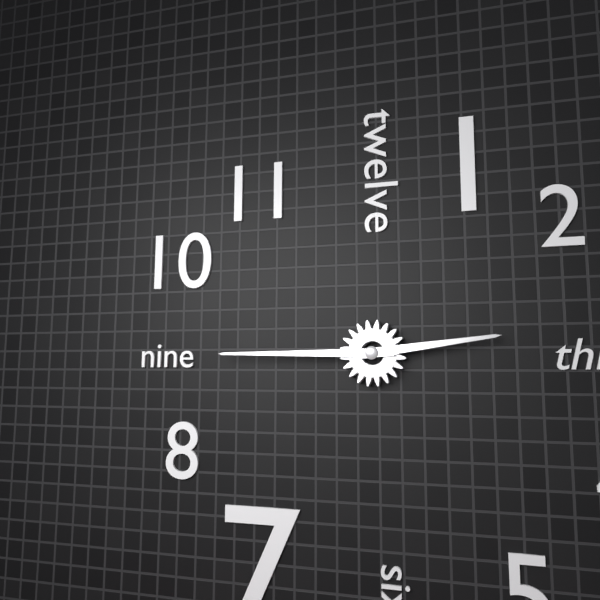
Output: {"hour": 2, "minute": 45}
